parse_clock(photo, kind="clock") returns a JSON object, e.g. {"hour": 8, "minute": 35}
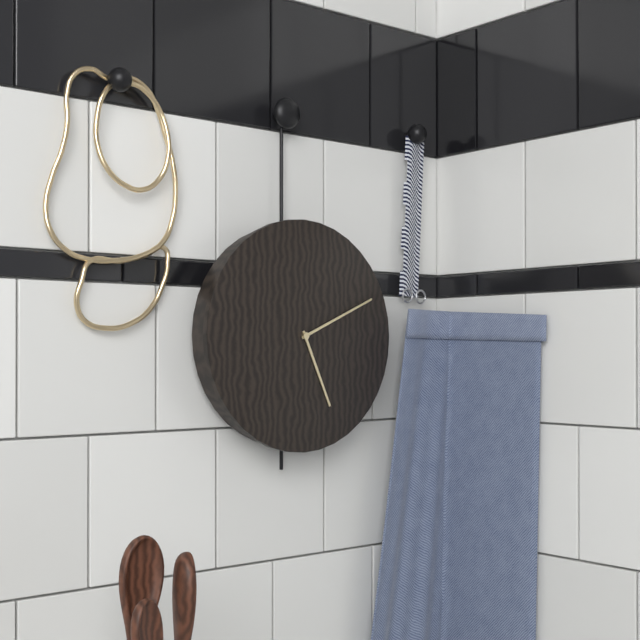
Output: {"hour": 5, "minute": 11}
